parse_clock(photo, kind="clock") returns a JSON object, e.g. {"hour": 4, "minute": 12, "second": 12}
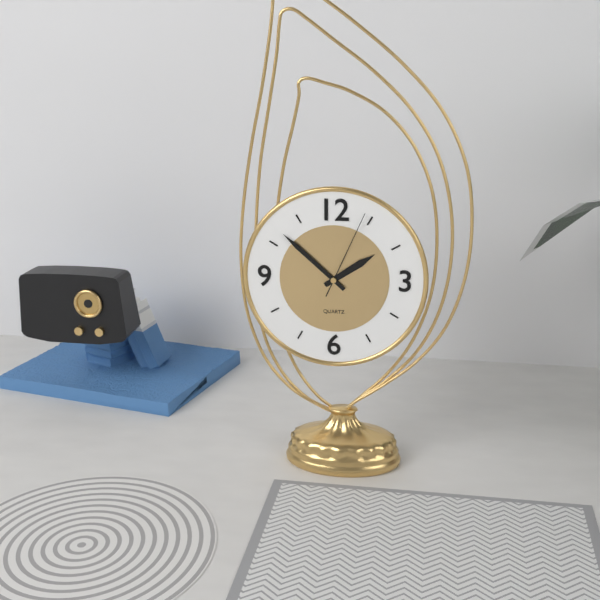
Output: {"hour": 1, "minute": 52, "second": 4}
